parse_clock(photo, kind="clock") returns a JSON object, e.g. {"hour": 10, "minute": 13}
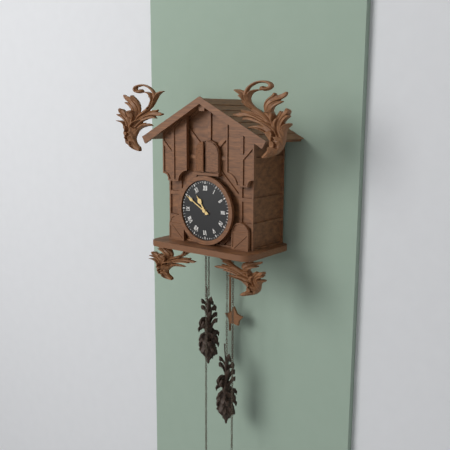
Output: {"hour": 10, "minute": 50}
